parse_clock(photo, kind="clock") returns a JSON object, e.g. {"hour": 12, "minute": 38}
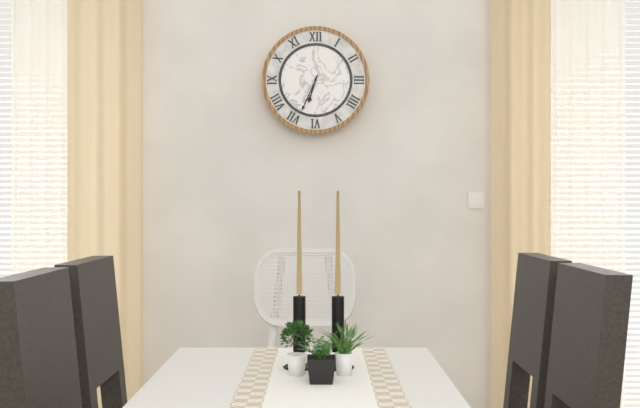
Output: {"hour": 6, "minute": 34}
